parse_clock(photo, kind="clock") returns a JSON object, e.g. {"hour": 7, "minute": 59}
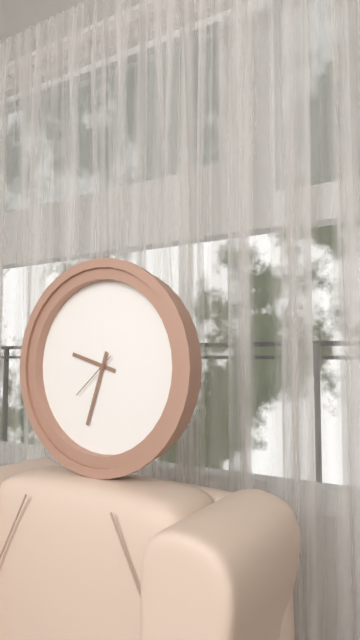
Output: {"hour": 9, "minute": 33}
